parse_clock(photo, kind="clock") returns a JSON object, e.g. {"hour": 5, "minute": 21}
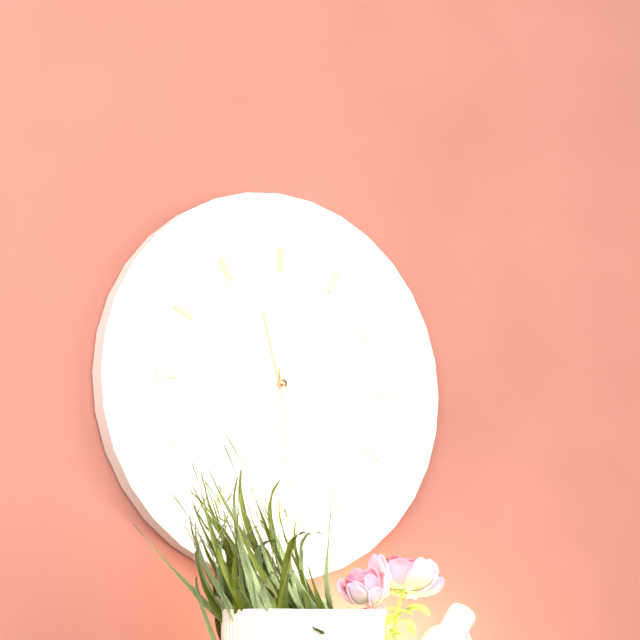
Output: {"hour": 11, "minute": 29}
